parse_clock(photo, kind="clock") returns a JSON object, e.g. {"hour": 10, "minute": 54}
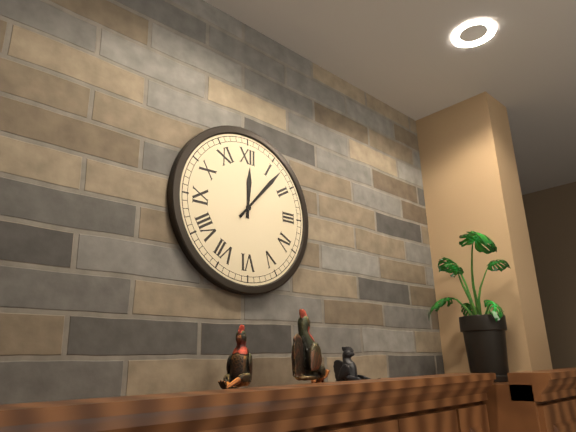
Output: {"hour": 12, "minute": 7}
